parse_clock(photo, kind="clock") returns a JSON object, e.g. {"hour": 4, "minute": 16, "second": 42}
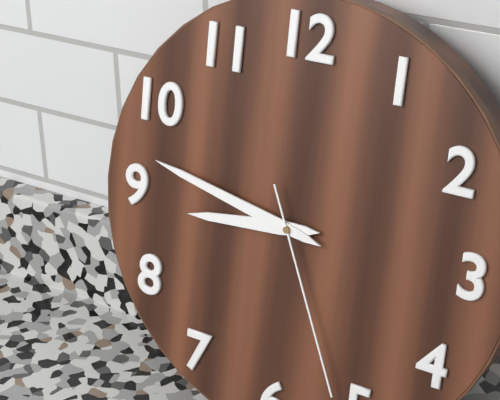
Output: {"hour": 8, "minute": 47, "second": 26}
